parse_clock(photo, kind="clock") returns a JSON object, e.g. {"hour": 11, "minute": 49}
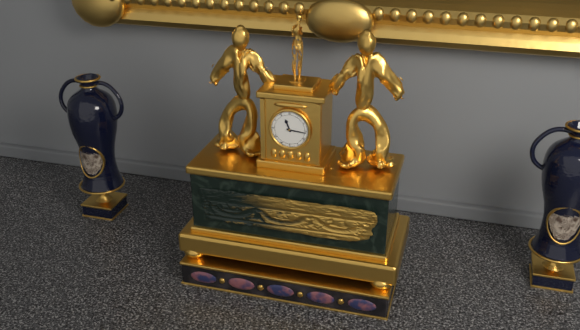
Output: {"hour": 11, "minute": 16}
